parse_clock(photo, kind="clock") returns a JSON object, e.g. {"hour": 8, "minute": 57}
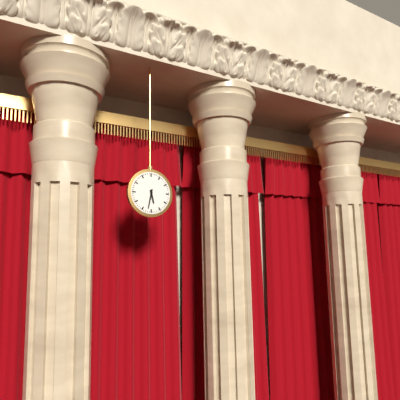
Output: {"hour": 5, "minute": 32}
